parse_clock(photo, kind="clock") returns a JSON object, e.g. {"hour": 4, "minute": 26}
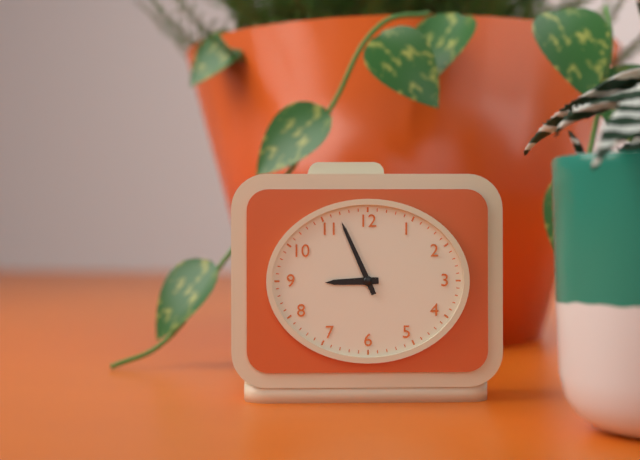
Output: {"hour": 8, "minute": 56}
